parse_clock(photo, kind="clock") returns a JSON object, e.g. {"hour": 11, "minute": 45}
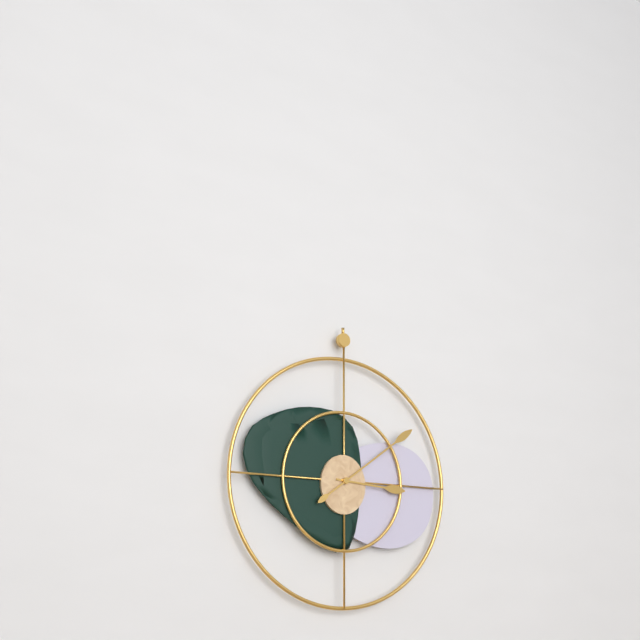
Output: {"hour": 3, "minute": 9}
